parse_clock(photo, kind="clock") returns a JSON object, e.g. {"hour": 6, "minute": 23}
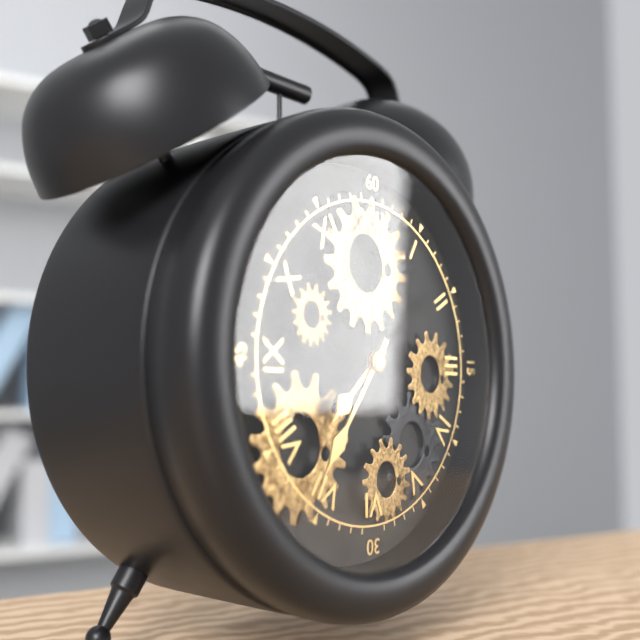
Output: {"hour": 7, "minute": 36}
